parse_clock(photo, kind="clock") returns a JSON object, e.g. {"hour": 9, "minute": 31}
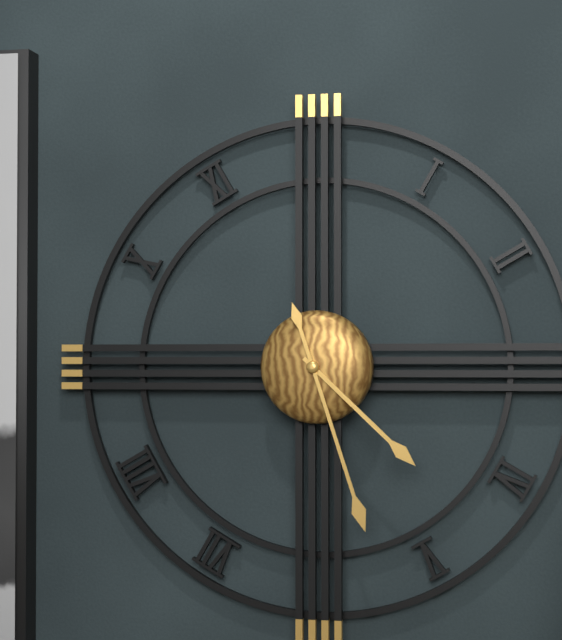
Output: {"hour": 4, "minute": 27}
